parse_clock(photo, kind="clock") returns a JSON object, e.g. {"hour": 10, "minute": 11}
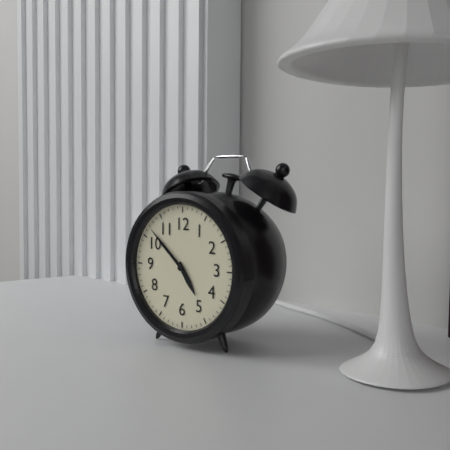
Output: {"hour": 4, "minute": 52}
